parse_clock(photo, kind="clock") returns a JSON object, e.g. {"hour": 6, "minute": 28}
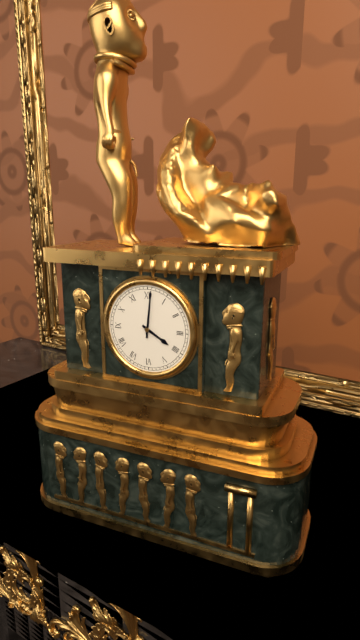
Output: {"hour": 4, "minute": 1}
